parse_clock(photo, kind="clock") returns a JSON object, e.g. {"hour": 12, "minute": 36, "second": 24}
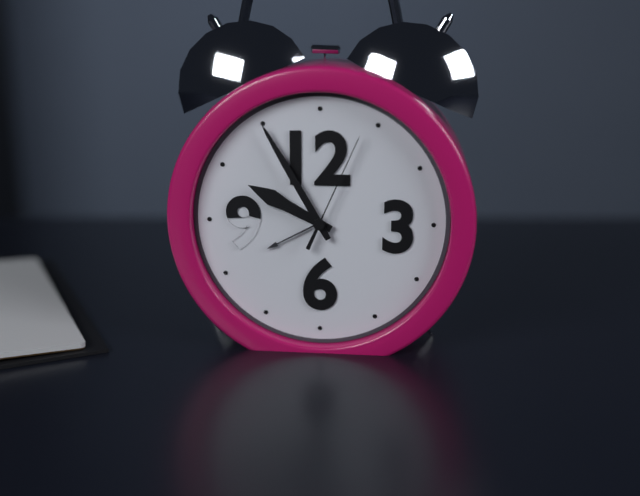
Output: {"hour": 9, "minute": 55, "second": 4}
